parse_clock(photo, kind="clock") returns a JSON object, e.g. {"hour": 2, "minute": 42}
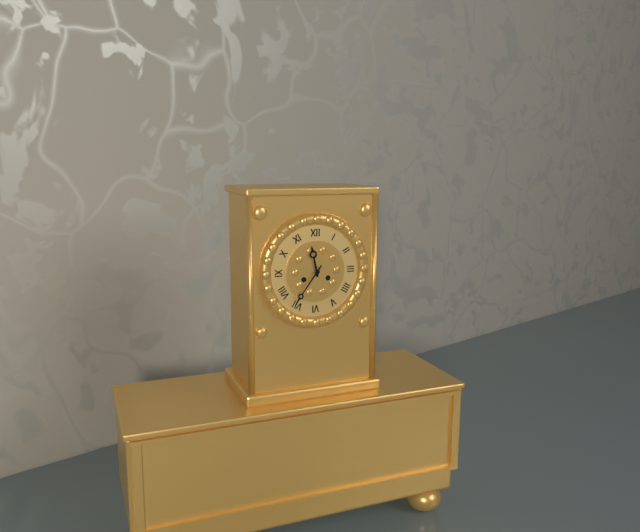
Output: {"hour": 11, "minute": 36}
